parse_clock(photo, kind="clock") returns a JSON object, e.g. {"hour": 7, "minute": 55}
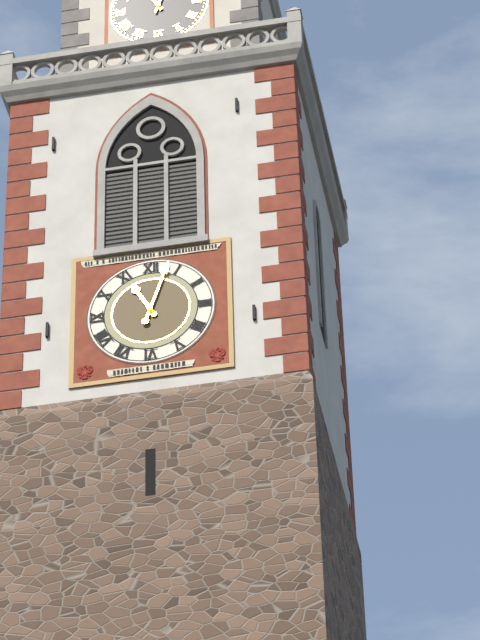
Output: {"hour": 11, "minute": 3}
